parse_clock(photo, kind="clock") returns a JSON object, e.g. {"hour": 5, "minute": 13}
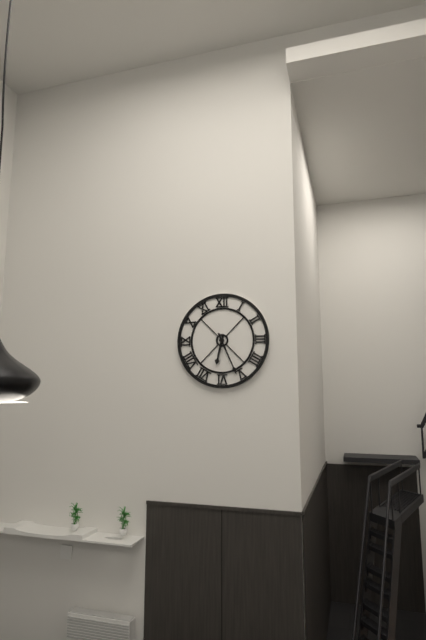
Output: {"hour": 6, "minute": 26}
